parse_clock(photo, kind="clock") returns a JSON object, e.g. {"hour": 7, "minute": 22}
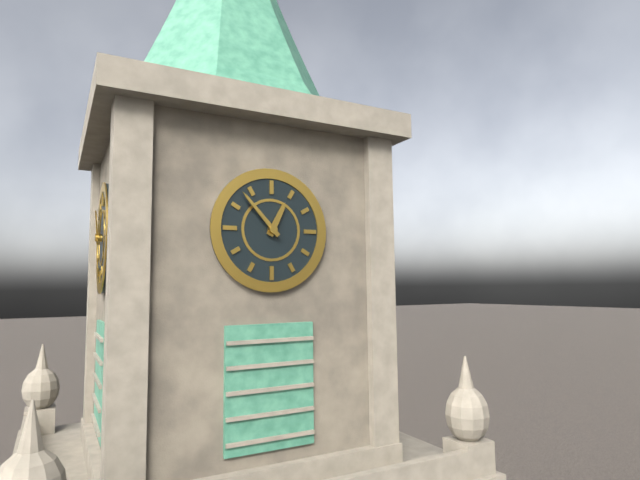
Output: {"hour": 12, "minute": 53}
